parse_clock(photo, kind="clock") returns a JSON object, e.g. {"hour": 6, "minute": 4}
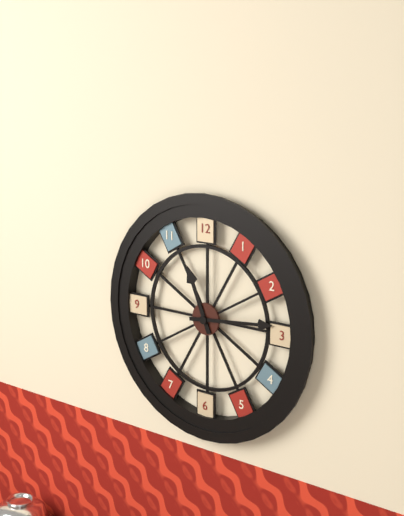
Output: {"hour": 11, "minute": 14}
